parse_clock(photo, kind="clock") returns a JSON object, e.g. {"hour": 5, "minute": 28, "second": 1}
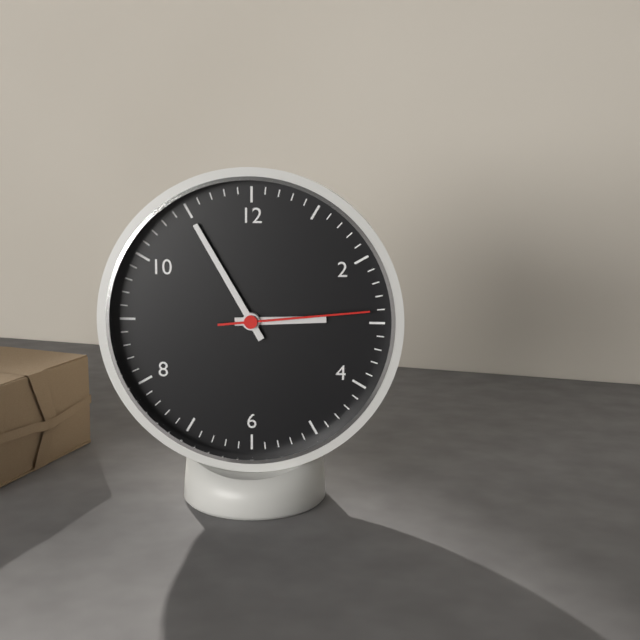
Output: {"hour": 2, "minute": 55, "second": 14}
